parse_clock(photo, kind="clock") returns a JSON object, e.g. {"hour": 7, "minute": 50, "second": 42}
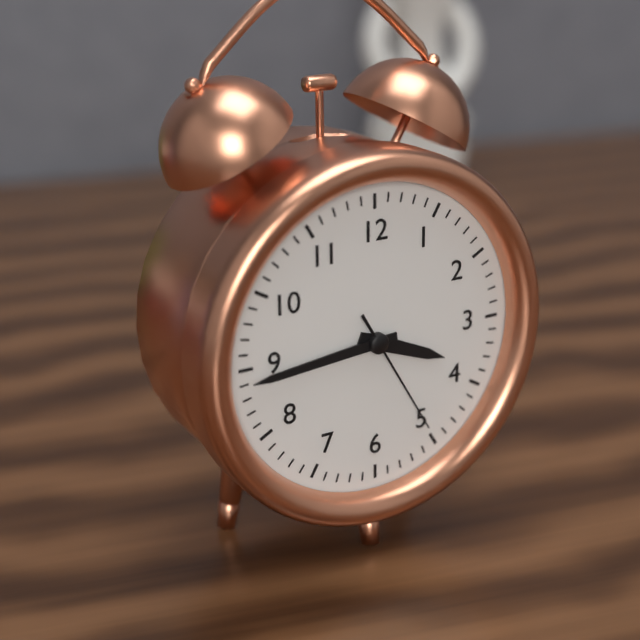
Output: {"hour": 3, "minute": 44, "second": 25}
